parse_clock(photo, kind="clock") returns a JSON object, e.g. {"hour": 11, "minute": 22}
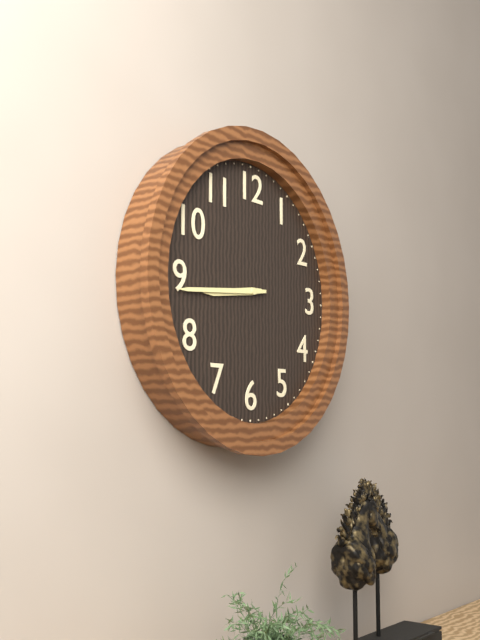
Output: {"hour": 8, "minute": 44}
